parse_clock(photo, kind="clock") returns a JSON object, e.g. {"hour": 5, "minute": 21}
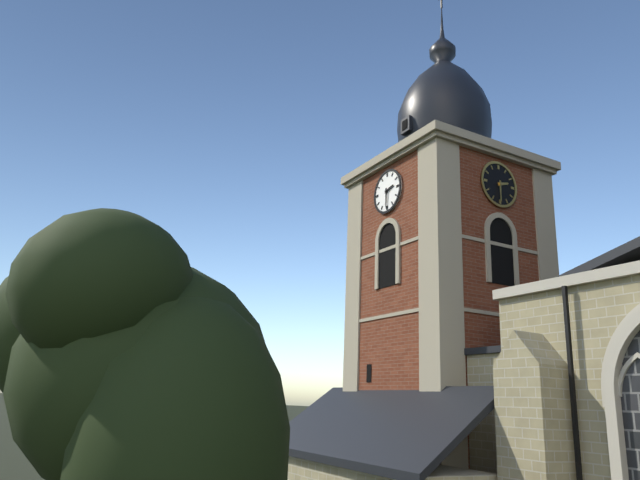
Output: {"hour": 2, "minute": 30}
